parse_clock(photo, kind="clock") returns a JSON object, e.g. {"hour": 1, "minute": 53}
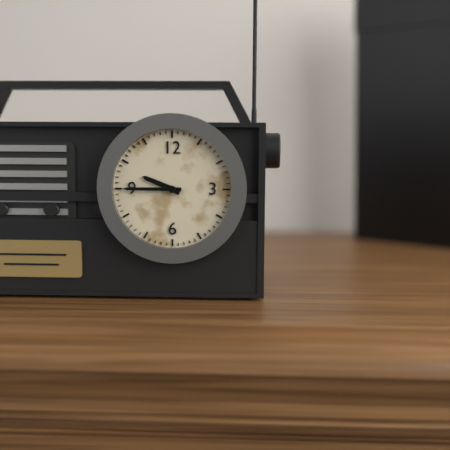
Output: {"hour": 9, "minute": 45}
